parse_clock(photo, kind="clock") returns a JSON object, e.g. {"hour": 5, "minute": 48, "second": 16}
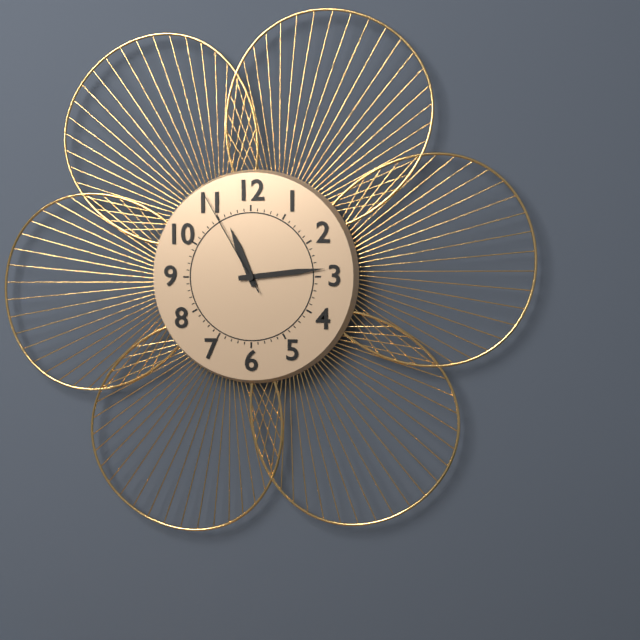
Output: {"hour": 11, "minute": 14, "second": 55}
